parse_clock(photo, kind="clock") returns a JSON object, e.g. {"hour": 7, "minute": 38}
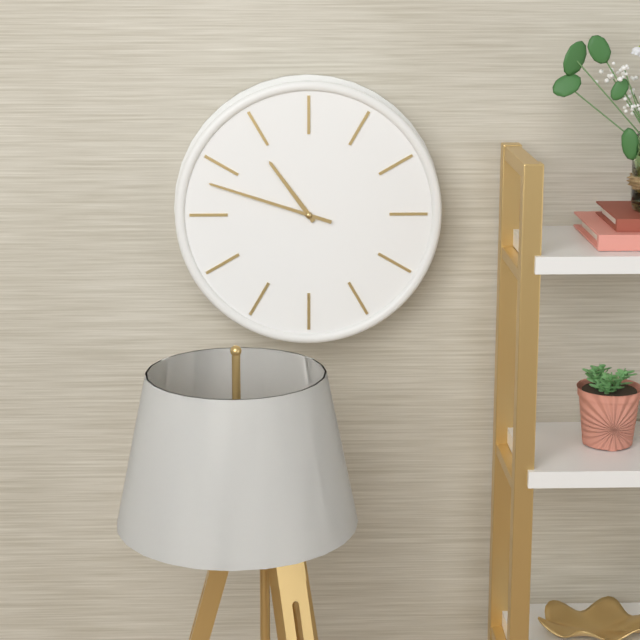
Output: {"hour": 10, "minute": 48}
